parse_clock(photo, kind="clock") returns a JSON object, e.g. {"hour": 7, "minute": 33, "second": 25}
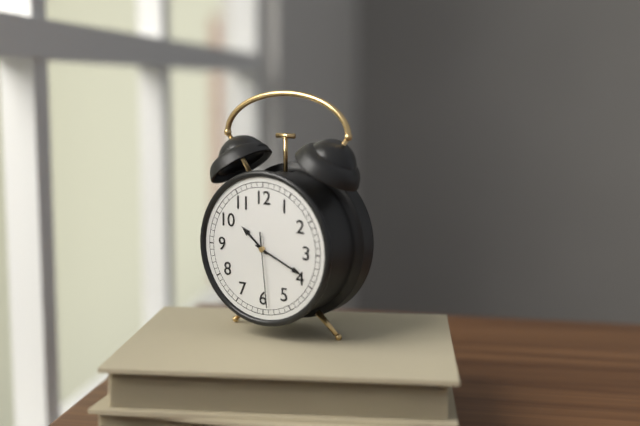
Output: {"hour": 10, "minute": 19, "second": 29}
